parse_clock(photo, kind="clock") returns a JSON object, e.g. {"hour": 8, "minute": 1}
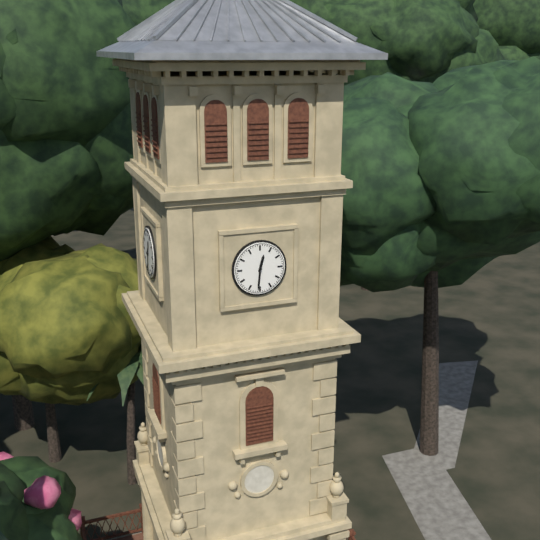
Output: {"hour": 12, "minute": 31}
